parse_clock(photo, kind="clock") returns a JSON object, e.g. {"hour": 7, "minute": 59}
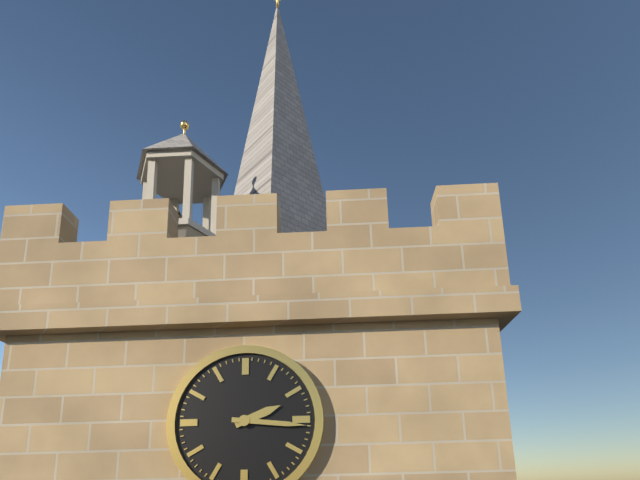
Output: {"hour": 2, "minute": 16}
